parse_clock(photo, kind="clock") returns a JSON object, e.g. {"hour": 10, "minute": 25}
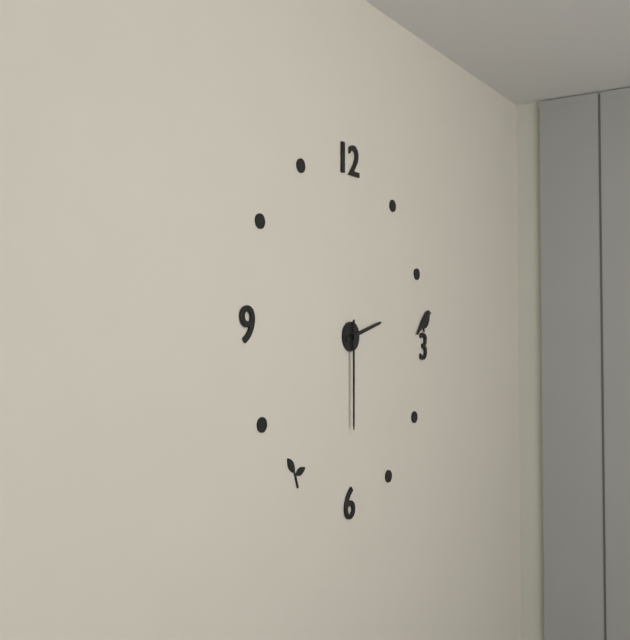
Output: {"hour": 2, "minute": 30}
